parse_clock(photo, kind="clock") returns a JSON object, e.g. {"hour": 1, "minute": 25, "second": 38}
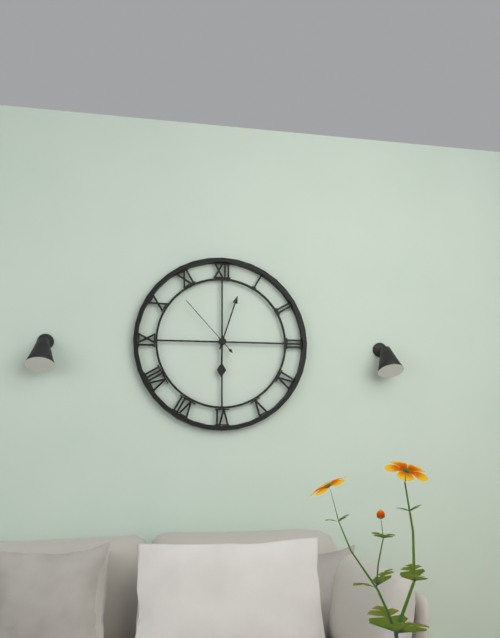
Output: {"hour": 6, "minute": 3, "second": 53}
